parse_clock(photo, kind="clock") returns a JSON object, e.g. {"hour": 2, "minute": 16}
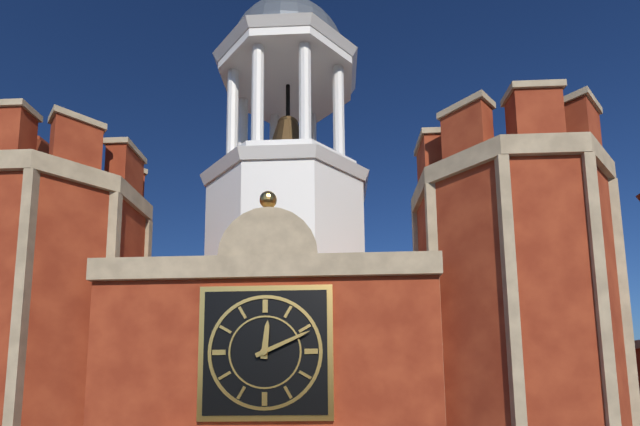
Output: {"hour": 12, "minute": 11}
